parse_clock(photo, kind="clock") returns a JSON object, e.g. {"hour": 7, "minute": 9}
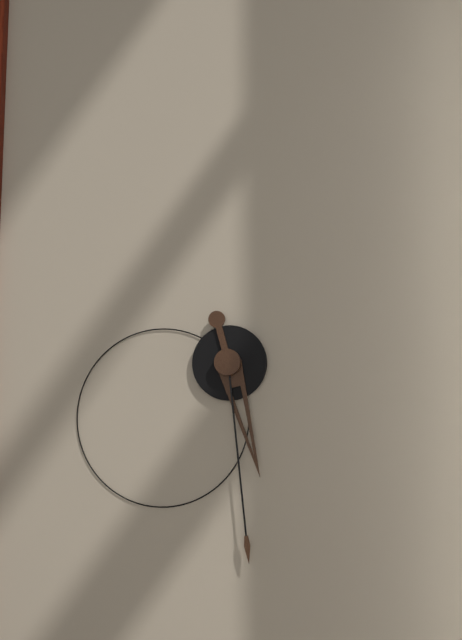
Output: {"hour": 5, "minute": 29}
